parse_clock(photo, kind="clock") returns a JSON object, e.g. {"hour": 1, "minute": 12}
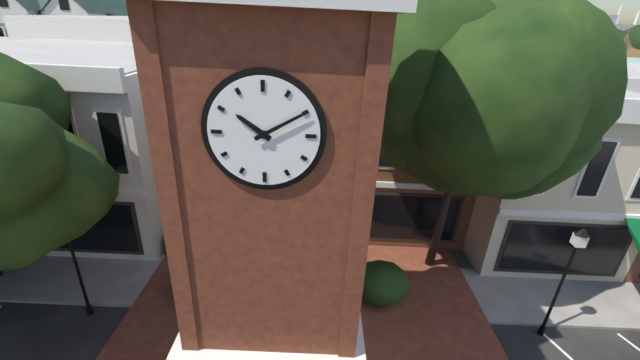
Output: {"hour": 10, "minute": 10}
